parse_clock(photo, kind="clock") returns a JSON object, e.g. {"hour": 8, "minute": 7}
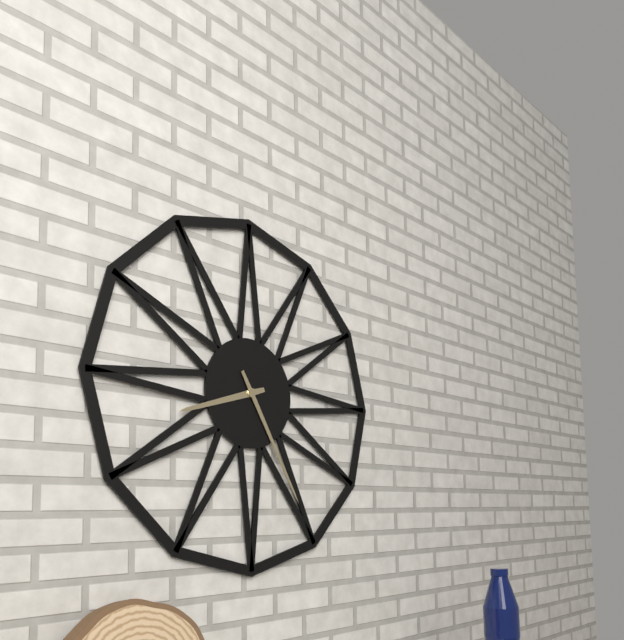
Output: {"hour": 8, "minute": 25}
